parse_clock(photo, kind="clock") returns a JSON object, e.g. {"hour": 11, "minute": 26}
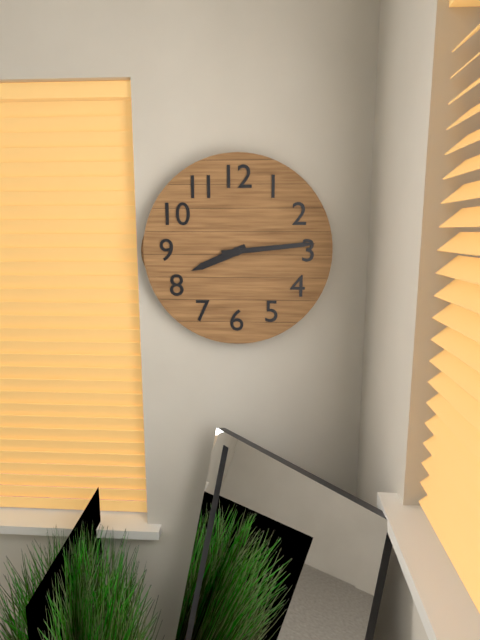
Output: {"hour": 8, "minute": 14}
